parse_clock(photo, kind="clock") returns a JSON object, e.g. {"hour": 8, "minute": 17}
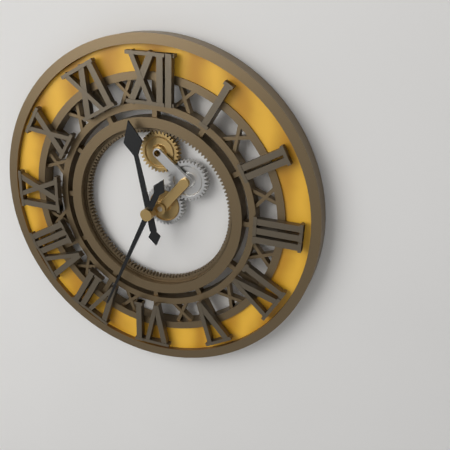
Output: {"hour": 11, "minute": 34}
